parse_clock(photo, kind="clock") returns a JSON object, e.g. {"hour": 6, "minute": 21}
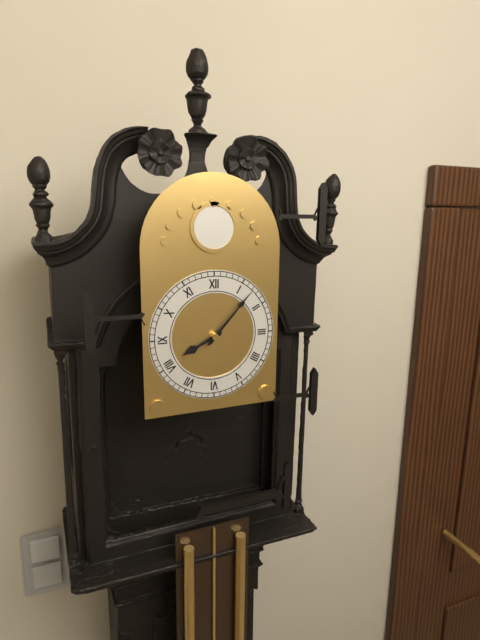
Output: {"hour": 8, "minute": 7}
